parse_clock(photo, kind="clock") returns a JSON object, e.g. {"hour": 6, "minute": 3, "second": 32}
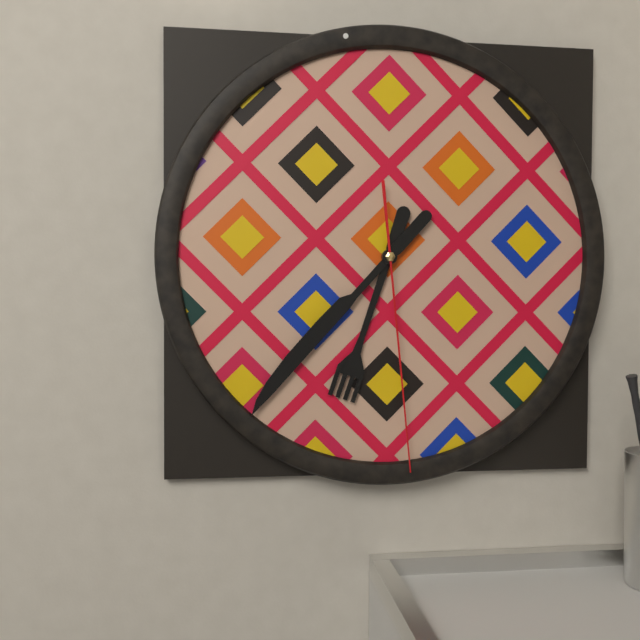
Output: {"hour": 6, "minute": 37, "second": 29}
